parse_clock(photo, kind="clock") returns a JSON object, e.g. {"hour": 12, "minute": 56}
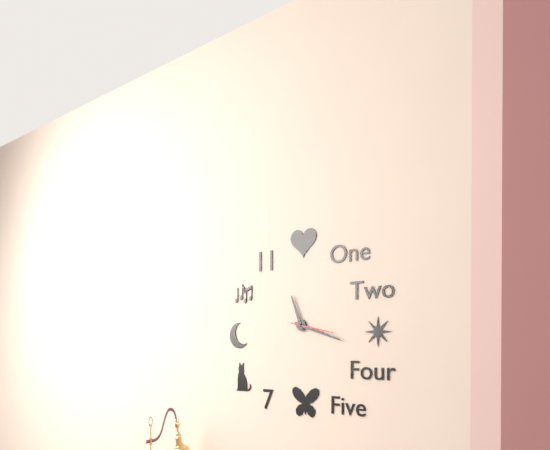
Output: {"hour": 11, "minute": 18}
